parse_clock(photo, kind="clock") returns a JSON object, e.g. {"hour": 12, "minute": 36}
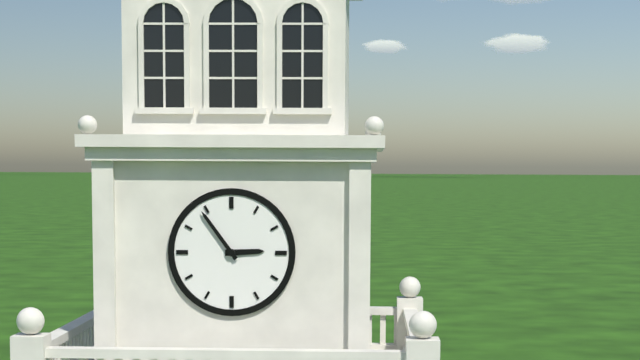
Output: {"hour": 2, "minute": 54}
